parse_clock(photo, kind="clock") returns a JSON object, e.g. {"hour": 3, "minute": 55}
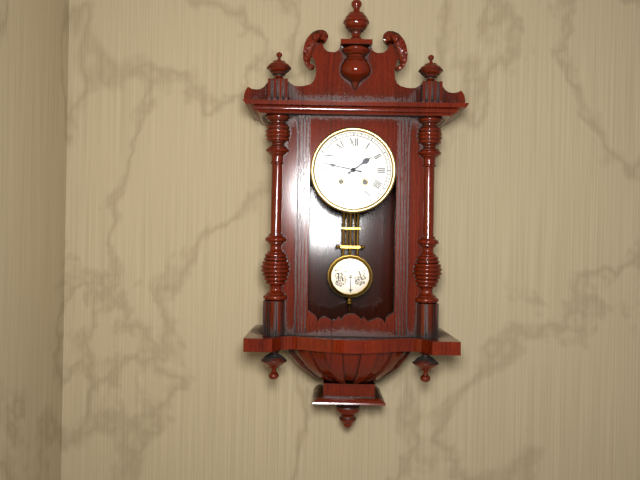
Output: {"hour": 1, "minute": 47}
